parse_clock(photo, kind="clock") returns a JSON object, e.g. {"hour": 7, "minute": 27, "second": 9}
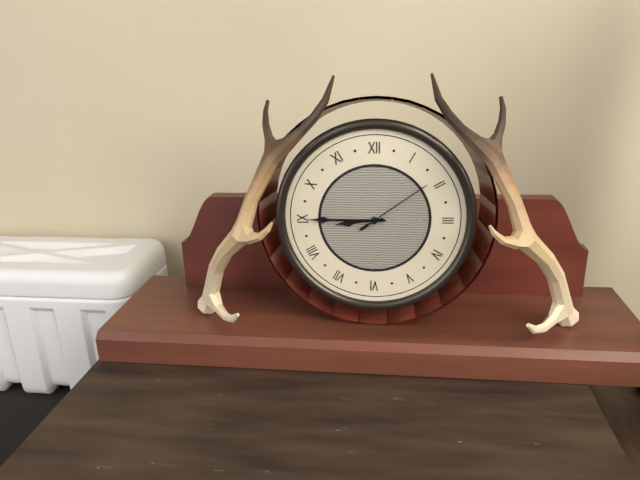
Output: {"hour": 8, "minute": 45, "second": 9}
